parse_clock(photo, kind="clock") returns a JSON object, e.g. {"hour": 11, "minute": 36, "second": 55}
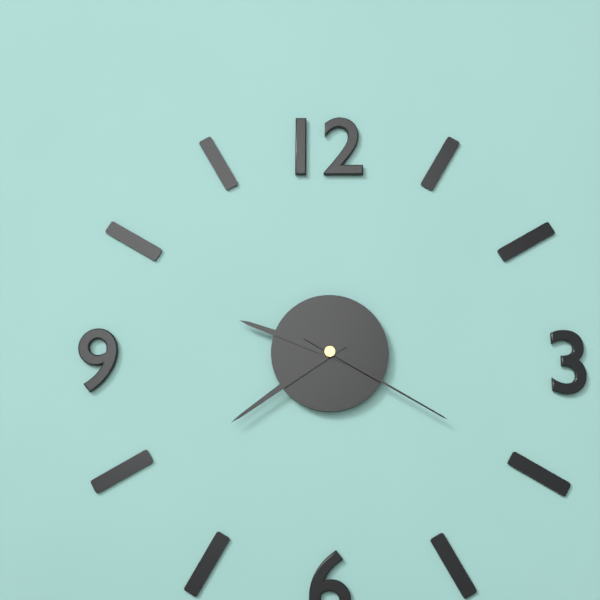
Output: {"hour": 9, "minute": 39, "second": 20}
